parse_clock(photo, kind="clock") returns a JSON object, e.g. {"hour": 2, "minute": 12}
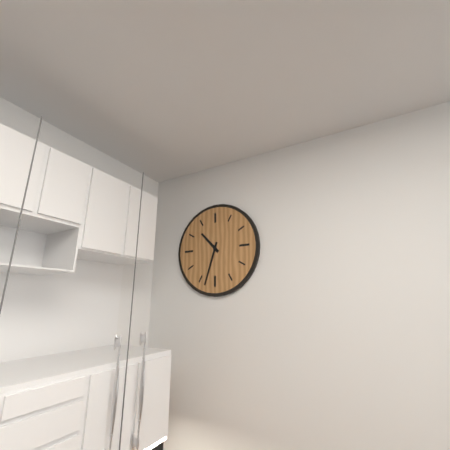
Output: {"hour": 10, "minute": 33}
